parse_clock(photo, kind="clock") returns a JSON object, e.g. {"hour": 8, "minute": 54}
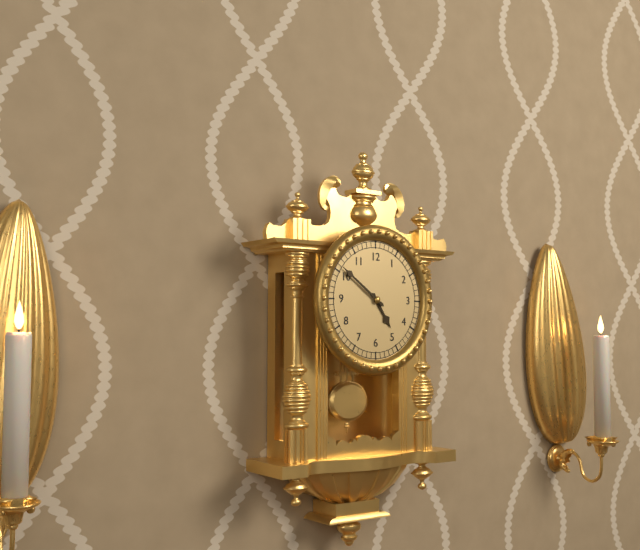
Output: {"hour": 4, "minute": 51}
